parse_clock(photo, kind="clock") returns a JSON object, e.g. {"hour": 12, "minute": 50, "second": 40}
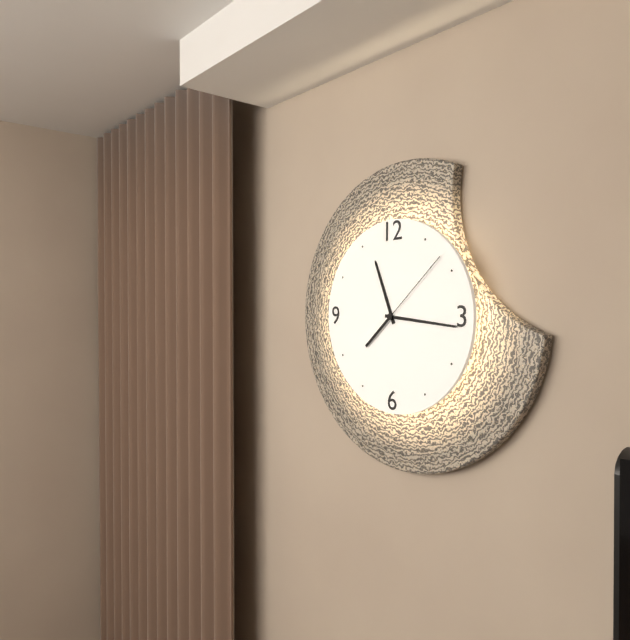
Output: {"hour": 11, "minute": 16, "second": 8}
